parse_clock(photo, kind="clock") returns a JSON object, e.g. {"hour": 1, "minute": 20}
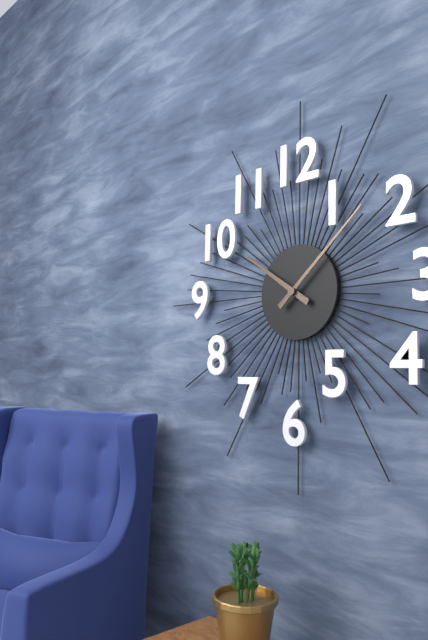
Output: {"hour": 10, "minute": 8}
